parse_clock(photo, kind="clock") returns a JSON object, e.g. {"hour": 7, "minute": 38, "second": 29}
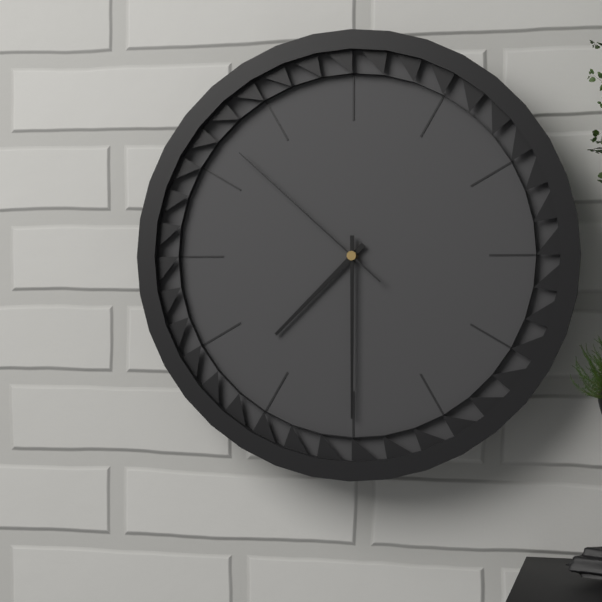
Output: {"hour": 7, "minute": 30, "second": 52}
